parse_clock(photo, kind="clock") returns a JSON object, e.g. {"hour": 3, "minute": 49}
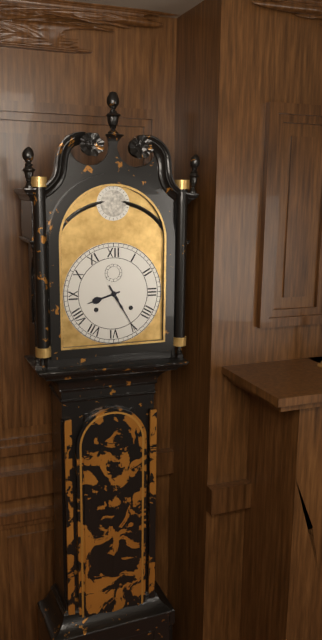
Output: {"hour": 8, "minute": 25}
